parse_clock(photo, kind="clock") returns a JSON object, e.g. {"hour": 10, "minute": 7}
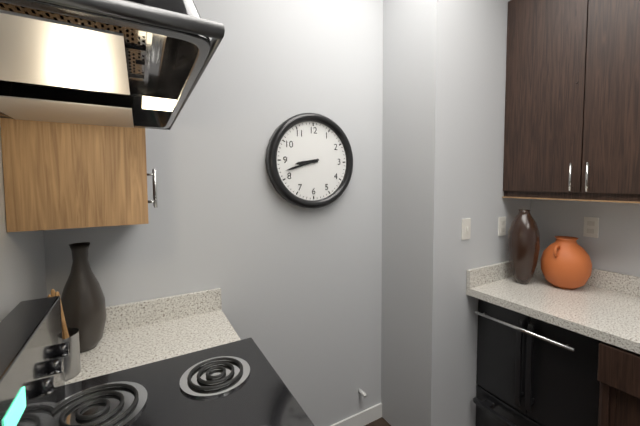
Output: {"hour": 8, "minute": 42}
